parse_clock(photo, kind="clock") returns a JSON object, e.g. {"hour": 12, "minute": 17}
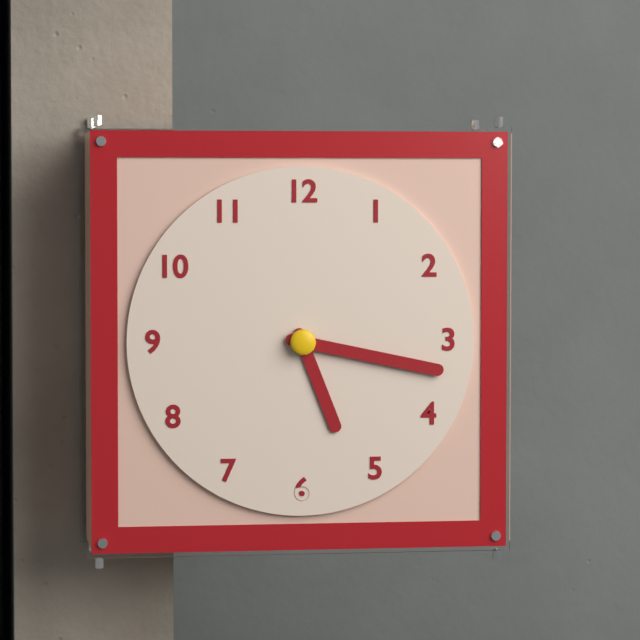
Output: {"hour": 5, "minute": 17}
